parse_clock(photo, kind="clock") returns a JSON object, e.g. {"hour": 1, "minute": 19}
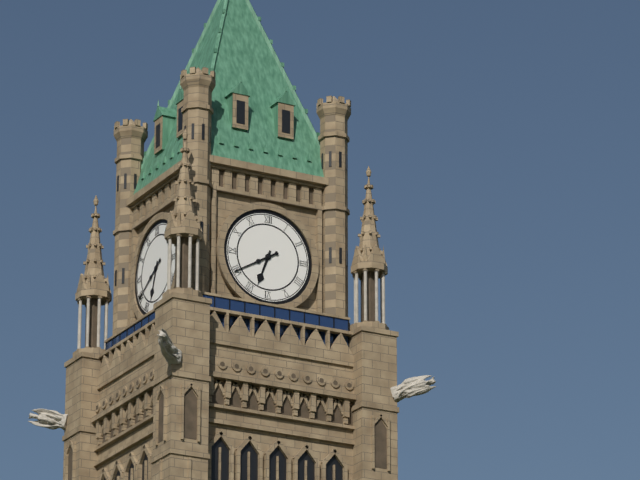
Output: {"hour": 6, "minute": 40}
